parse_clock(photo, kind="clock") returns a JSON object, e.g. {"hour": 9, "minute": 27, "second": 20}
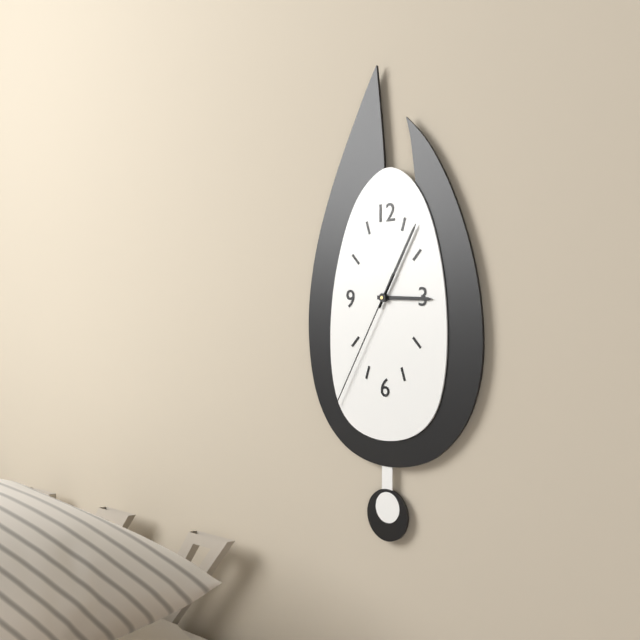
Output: {"hour": 3, "minute": 5, "second": 35}
